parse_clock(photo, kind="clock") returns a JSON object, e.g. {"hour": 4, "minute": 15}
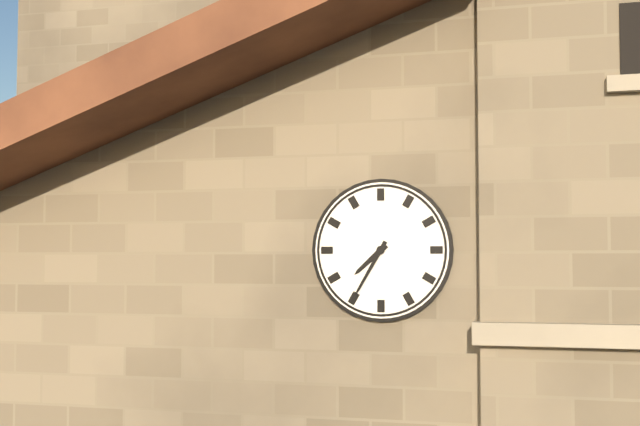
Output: {"hour": 7, "minute": 35}
